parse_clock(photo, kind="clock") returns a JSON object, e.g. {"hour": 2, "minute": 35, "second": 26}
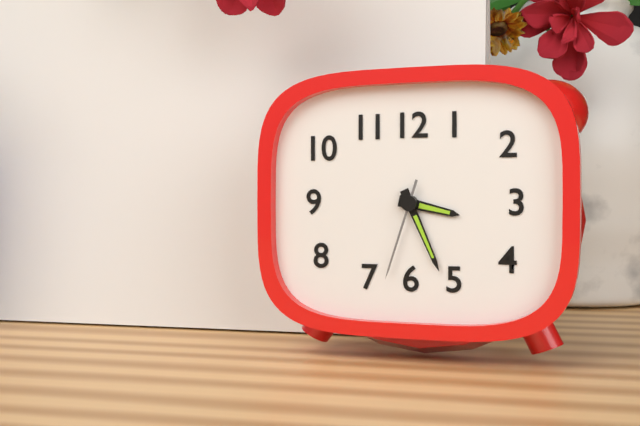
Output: {"hour": 3, "minute": 26, "second": 33}
